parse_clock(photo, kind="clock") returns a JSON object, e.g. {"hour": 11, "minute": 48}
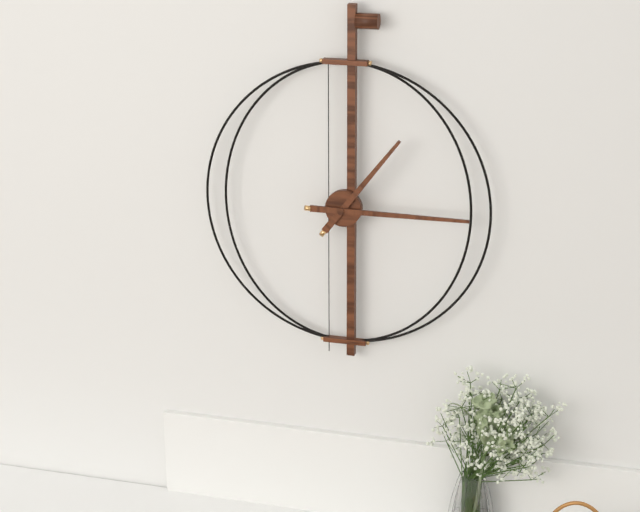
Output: {"hour": 1, "minute": 15}
